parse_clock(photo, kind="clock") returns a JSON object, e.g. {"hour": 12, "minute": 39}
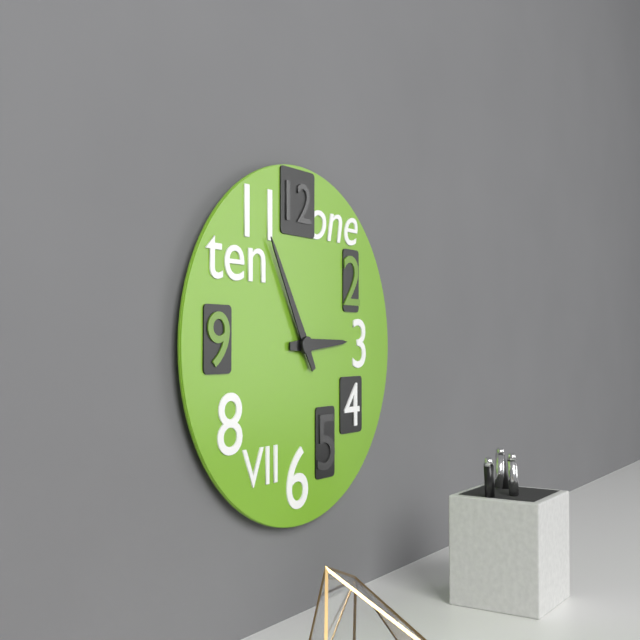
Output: {"hour": 2, "minute": 55}
